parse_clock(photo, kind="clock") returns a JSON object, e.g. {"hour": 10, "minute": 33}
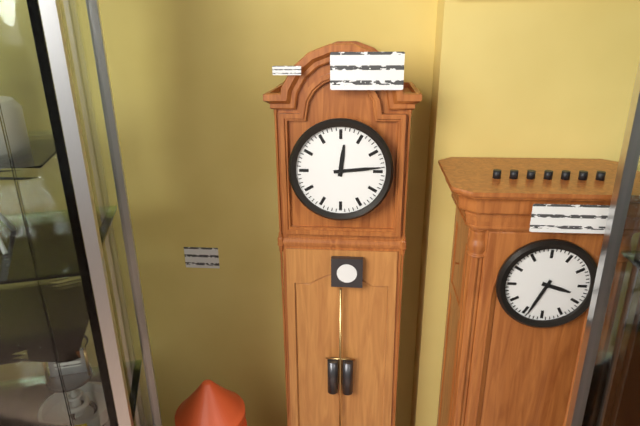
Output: {"hour": 12, "minute": 14}
